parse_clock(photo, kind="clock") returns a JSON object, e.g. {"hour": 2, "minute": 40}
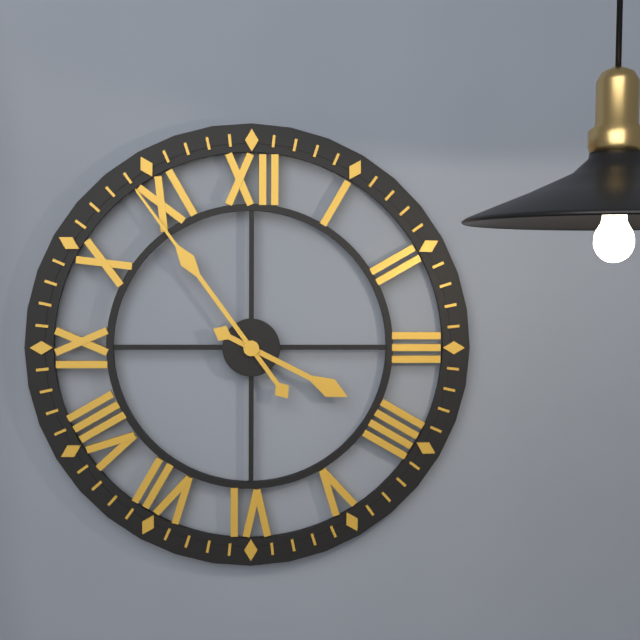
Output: {"hour": 3, "minute": 54}
